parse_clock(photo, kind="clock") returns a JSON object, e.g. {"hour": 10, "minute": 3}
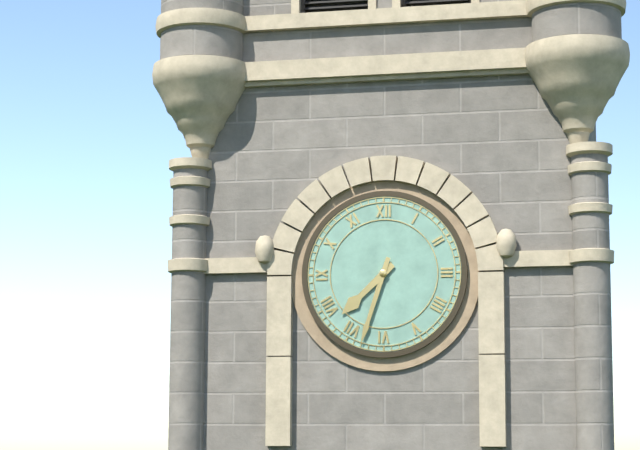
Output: {"hour": 7, "minute": 33}
